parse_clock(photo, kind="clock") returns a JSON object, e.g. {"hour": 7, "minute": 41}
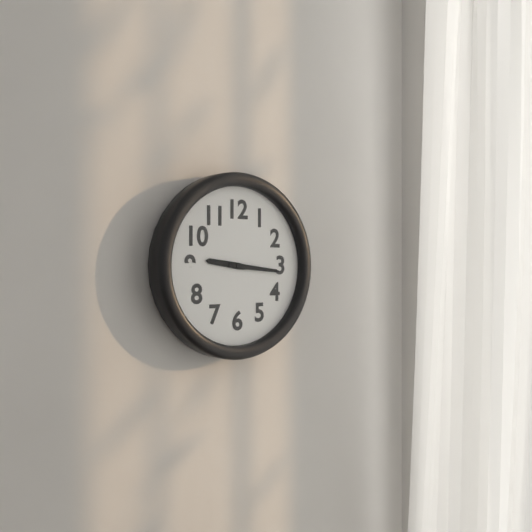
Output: {"hour": 9, "minute": 16}
